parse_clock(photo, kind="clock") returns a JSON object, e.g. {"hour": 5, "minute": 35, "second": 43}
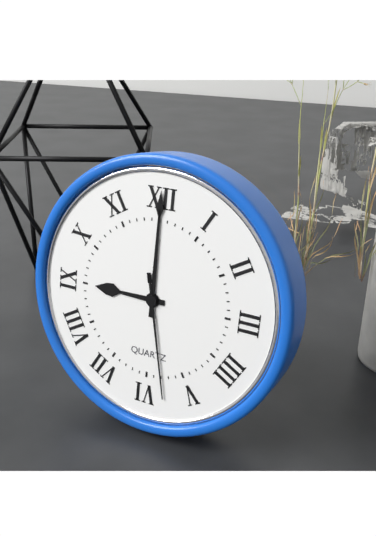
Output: {"hour": 9, "minute": 0, "second": 28}
